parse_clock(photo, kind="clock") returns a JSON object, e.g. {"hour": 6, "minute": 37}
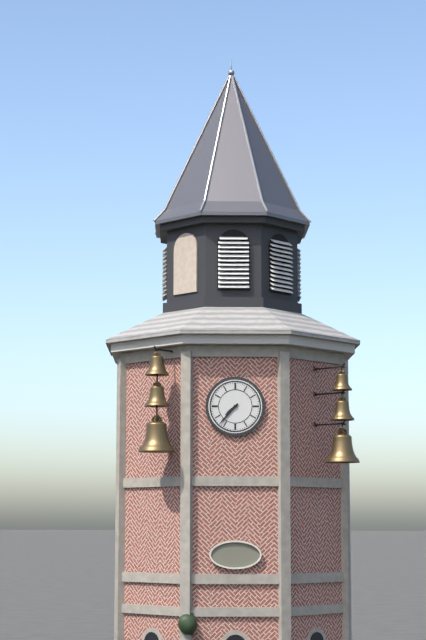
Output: {"hour": 7, "minute": 37}
